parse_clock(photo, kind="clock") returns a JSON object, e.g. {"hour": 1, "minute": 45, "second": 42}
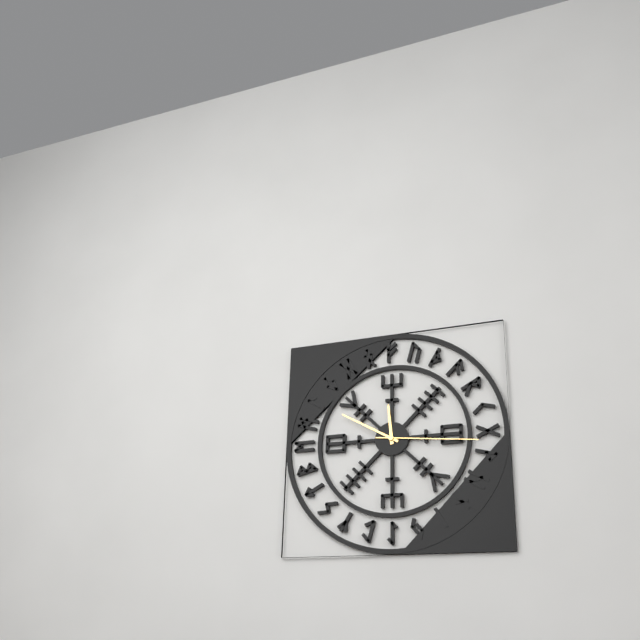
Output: {"hour": 11, "minute": 50, "second": 16}
